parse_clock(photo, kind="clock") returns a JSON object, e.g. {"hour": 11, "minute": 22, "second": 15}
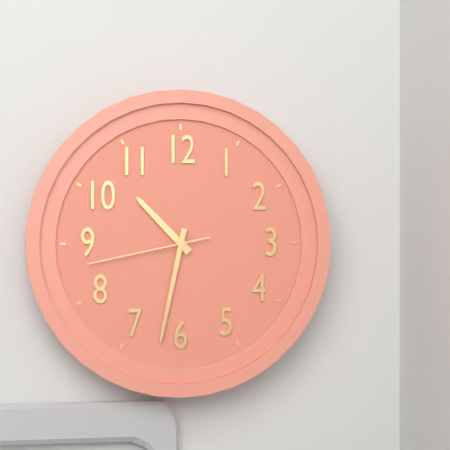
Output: {"hour": 10, "minute": 32, "second": 43}
